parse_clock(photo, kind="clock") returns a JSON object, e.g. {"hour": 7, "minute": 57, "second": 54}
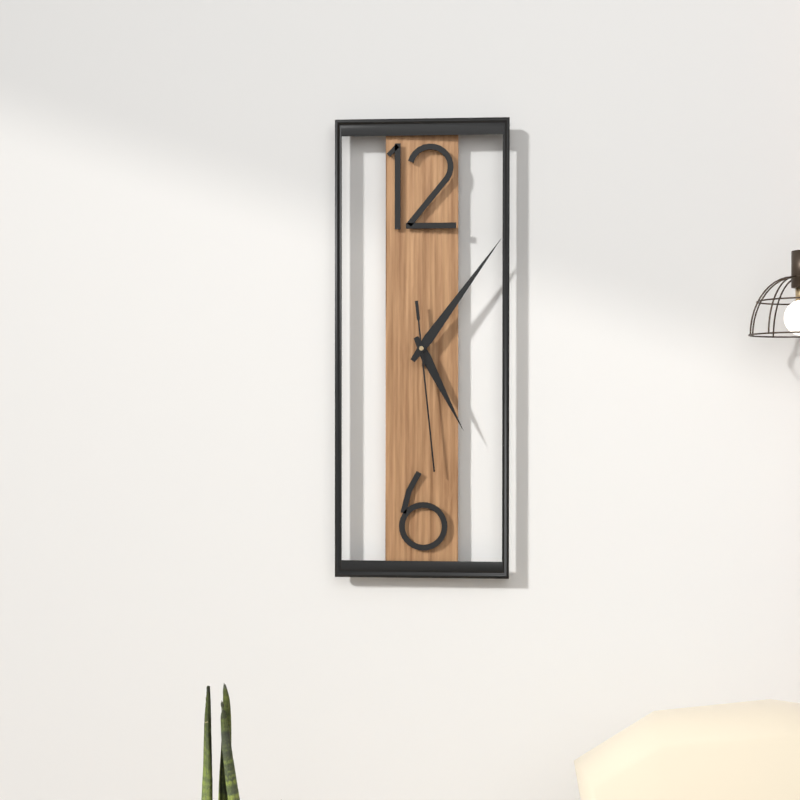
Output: {"hour": 5, "minute": 6, "second": 29}
